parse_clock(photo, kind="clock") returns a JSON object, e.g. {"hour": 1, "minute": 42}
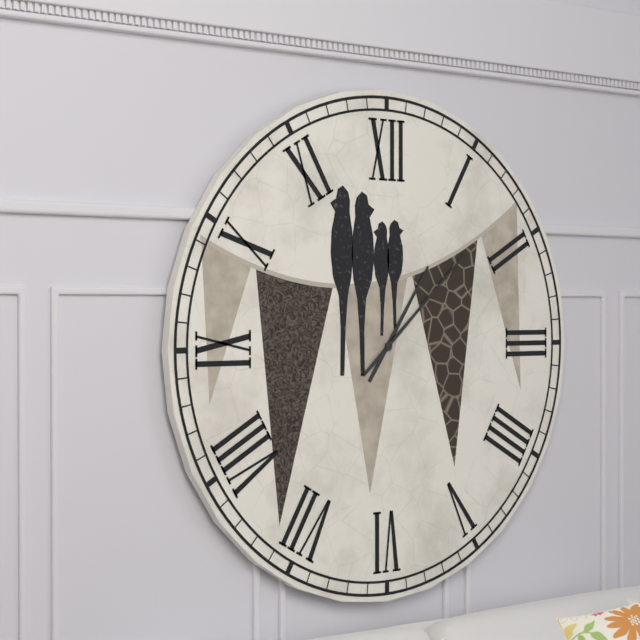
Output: {"hour": 1, "minute": 8}
